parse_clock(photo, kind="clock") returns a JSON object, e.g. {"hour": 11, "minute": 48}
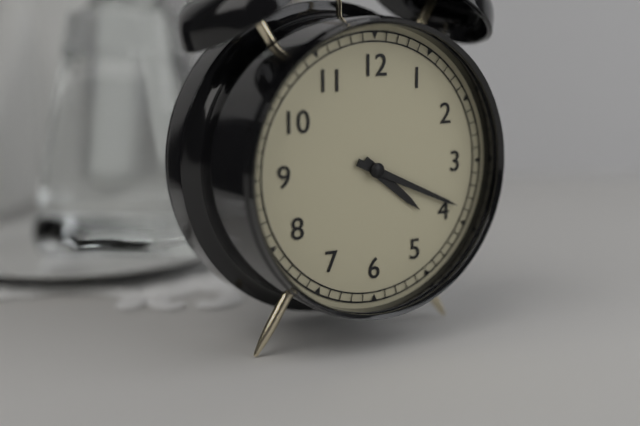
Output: {"hour": 4, "minute": 19}
